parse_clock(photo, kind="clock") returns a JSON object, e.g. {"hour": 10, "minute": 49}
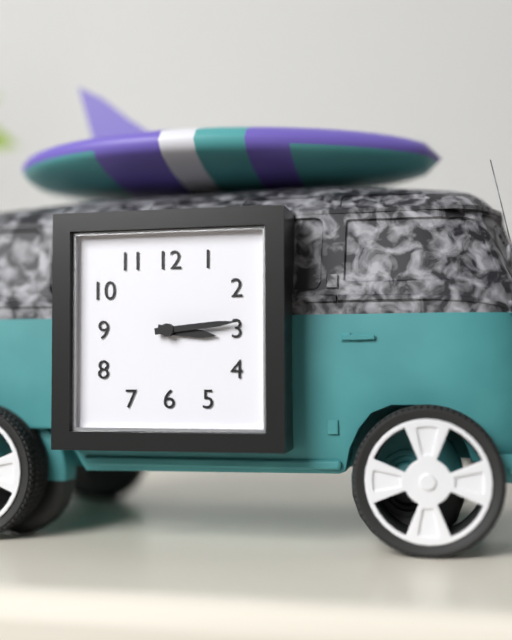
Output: {"hour": 3, "minute": 14}
